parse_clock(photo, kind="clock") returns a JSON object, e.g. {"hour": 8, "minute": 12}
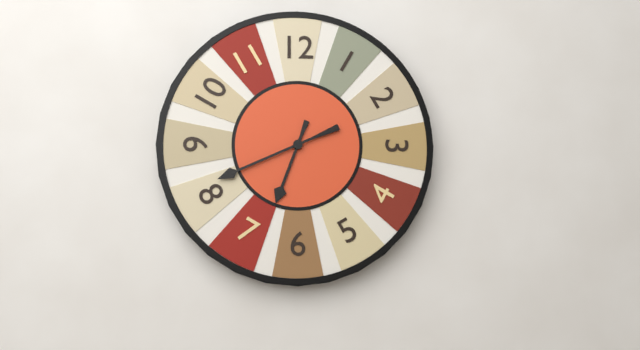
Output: {"hour": 6, "minute": 41}
